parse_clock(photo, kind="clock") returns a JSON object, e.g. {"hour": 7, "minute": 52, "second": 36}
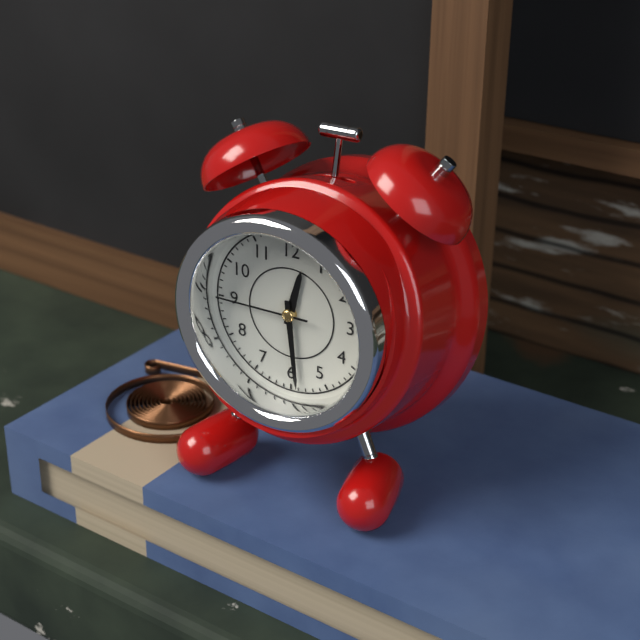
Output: {"hour": 12, "minute": 29, "second": 45}
